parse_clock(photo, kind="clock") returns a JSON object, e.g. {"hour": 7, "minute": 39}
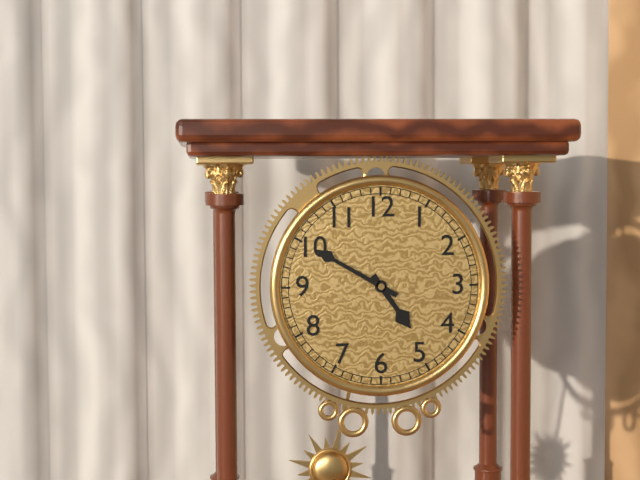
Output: {"hour": 4, "minute": 50}
